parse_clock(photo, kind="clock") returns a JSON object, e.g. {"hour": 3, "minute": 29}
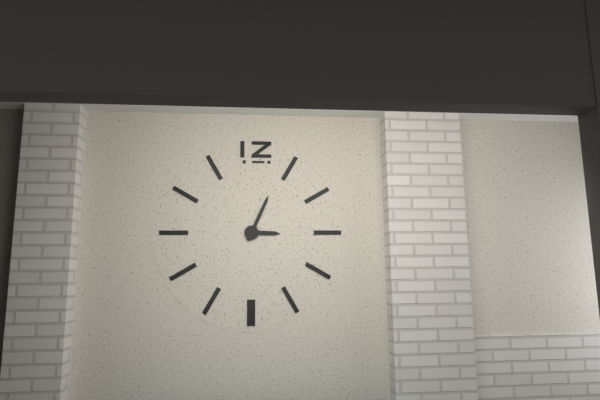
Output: {"hour": 3, "minute": 4}
